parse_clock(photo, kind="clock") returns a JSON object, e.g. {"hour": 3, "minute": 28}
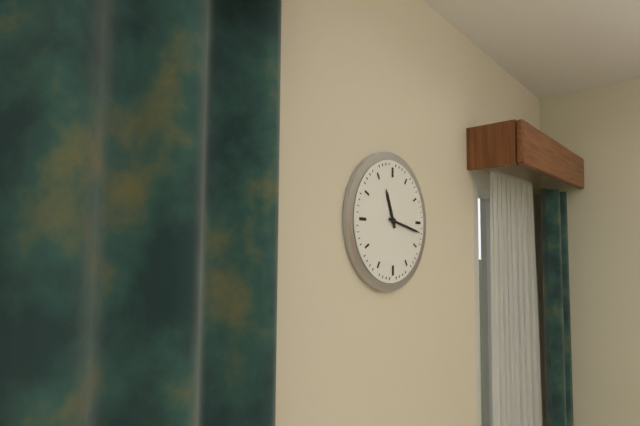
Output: {"hour": 11, "minute": 17}
